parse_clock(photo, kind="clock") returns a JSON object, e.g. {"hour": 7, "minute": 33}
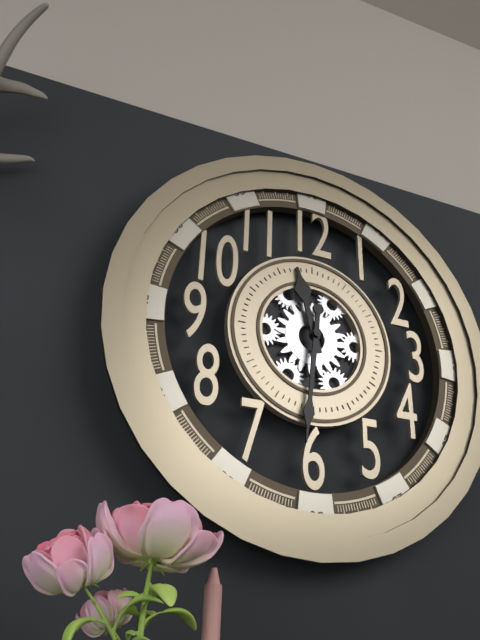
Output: {"hour": 11, "minute": 31}
